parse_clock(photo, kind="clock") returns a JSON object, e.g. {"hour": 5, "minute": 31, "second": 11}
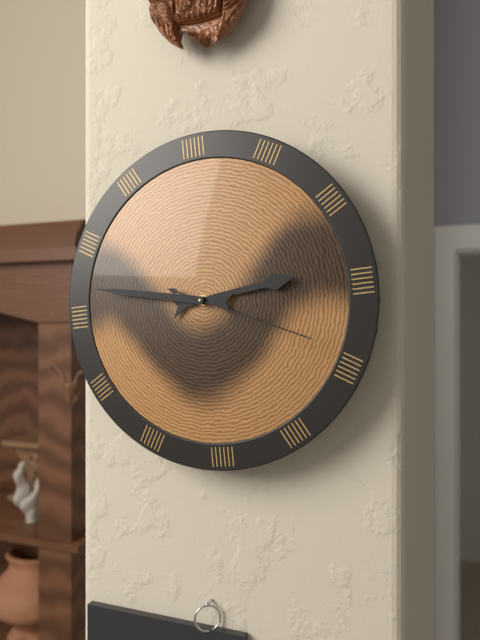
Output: {"hour": 2, "minute": 47, "second": 19}
